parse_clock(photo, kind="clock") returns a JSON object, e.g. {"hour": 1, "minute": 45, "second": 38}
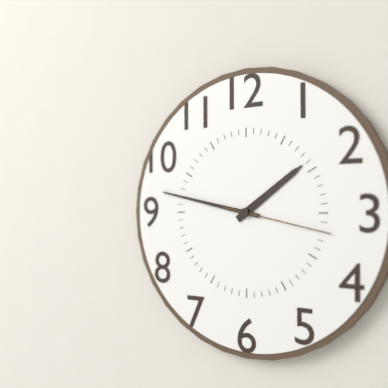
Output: {"hour": 1, "minute": 47, "second": 17}
